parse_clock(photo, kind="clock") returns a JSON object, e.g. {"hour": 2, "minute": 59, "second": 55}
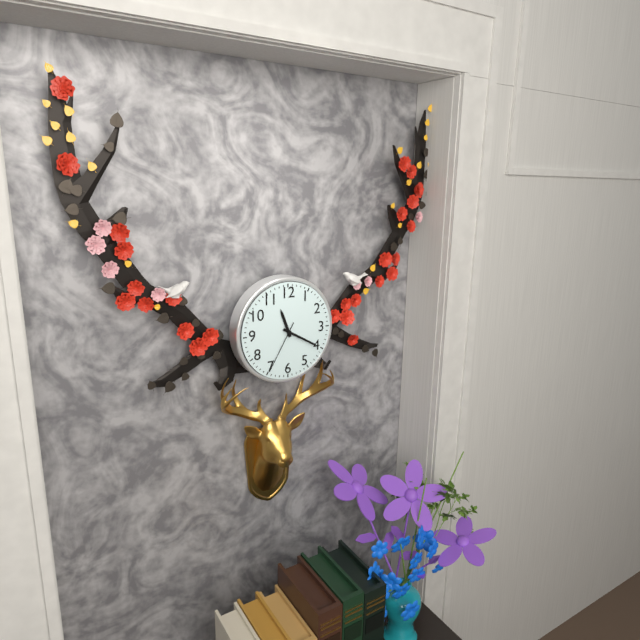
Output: {"hour": 11, "minute": 20, "second": 35}
